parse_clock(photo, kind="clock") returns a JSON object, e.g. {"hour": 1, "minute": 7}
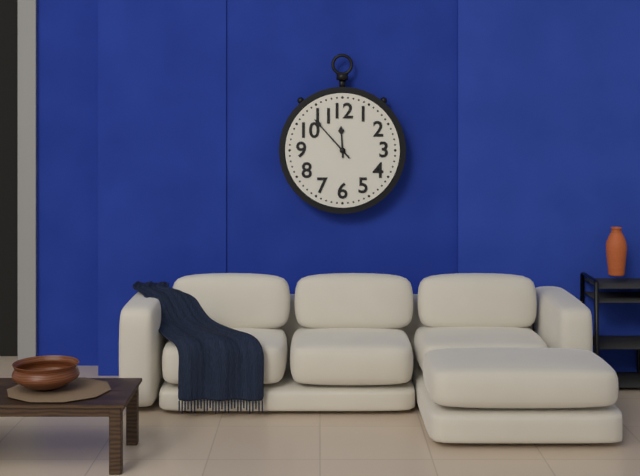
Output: {"hour": 11, "minute": 53}
